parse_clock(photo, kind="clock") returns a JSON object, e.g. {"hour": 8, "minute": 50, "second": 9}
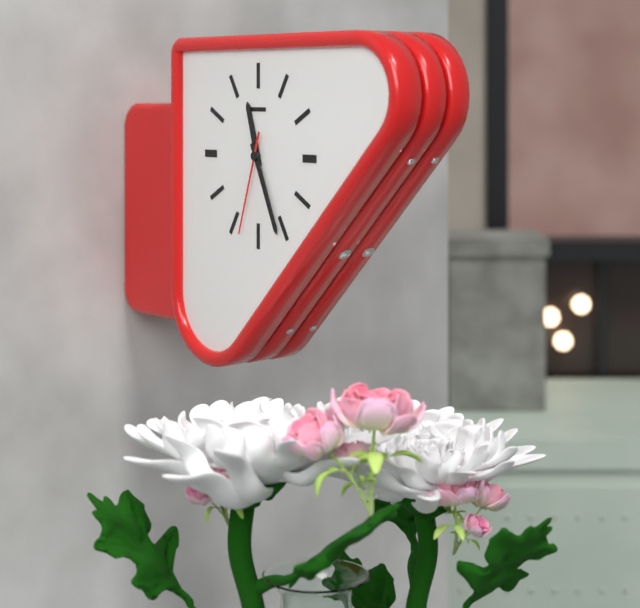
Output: {"hour": 11, "minute": 26, "second": 33}
